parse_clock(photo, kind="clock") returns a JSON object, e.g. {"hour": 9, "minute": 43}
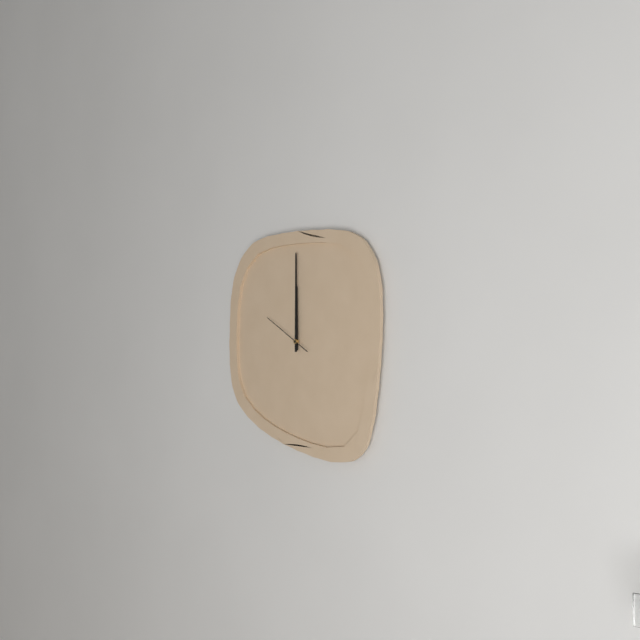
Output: {"hour": 12, "minute": 0}
